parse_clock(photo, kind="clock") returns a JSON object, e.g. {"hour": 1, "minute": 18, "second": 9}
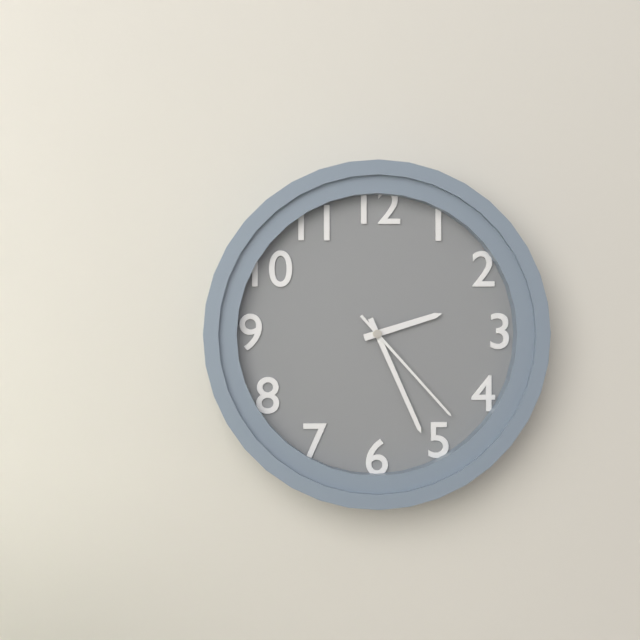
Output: {"hour": 2, "minute": 26, "second": 23}
